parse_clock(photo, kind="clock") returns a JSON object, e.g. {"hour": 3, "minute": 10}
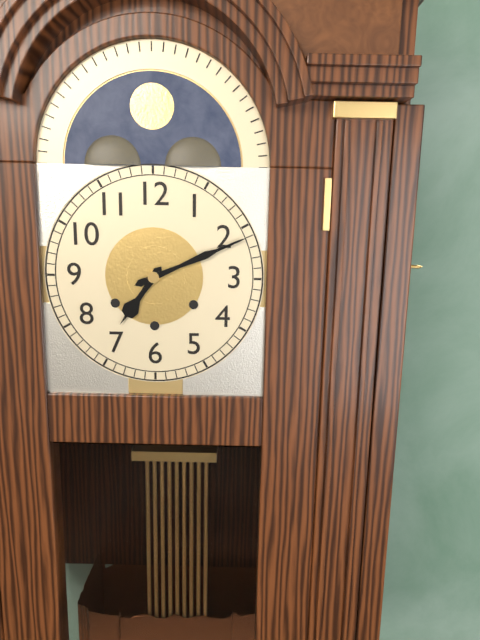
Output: {"hour": 7, "minute": 11}
